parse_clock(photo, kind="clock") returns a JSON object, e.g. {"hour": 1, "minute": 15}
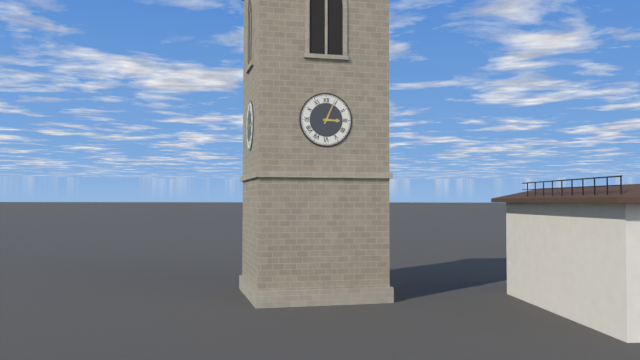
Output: {"hour": 3, "minute": 4}
